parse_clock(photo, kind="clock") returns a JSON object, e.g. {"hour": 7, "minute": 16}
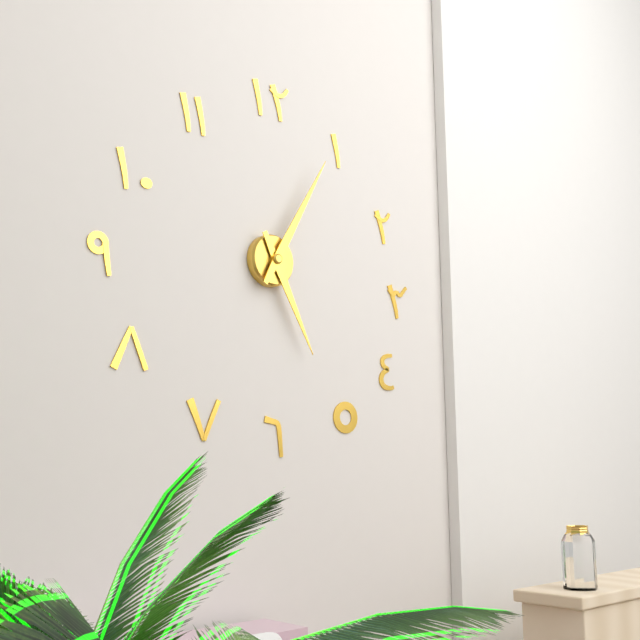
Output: {"hour": 5, "minute": 5}
